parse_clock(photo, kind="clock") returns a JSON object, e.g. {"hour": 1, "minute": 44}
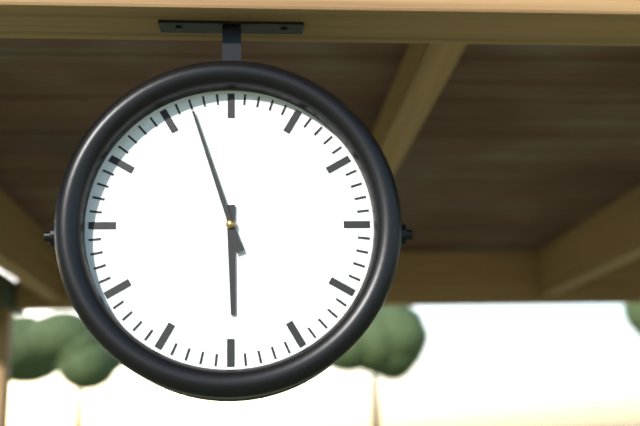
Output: {"hour": 5, "minute": 57}
